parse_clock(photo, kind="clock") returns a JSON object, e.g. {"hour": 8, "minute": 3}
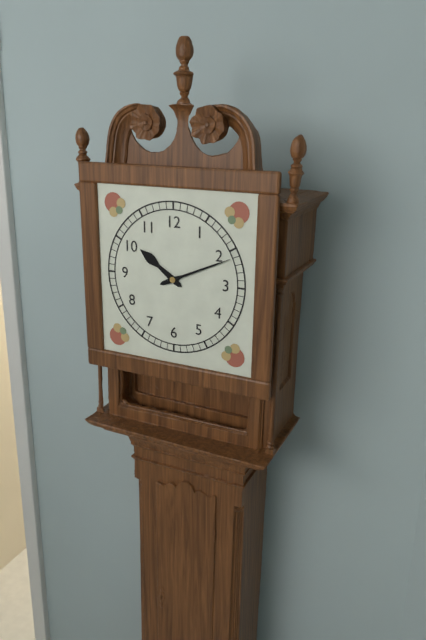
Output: {"hour": 10, "minute": 11}
